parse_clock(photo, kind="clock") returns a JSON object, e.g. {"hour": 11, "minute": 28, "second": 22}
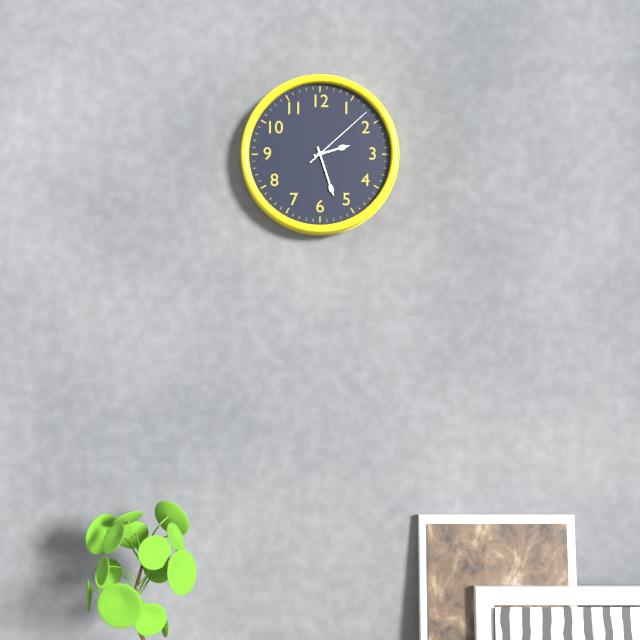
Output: {"hour": 2, "minute": 27, "second": 8}
